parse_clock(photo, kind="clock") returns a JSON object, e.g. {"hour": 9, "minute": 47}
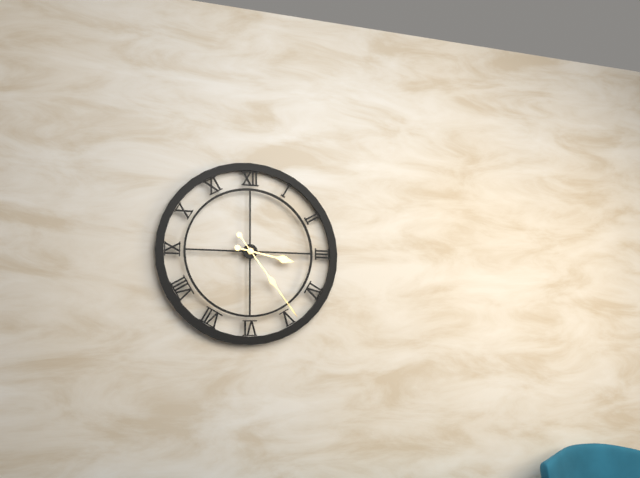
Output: {"hour": 3, "minute": 24}
